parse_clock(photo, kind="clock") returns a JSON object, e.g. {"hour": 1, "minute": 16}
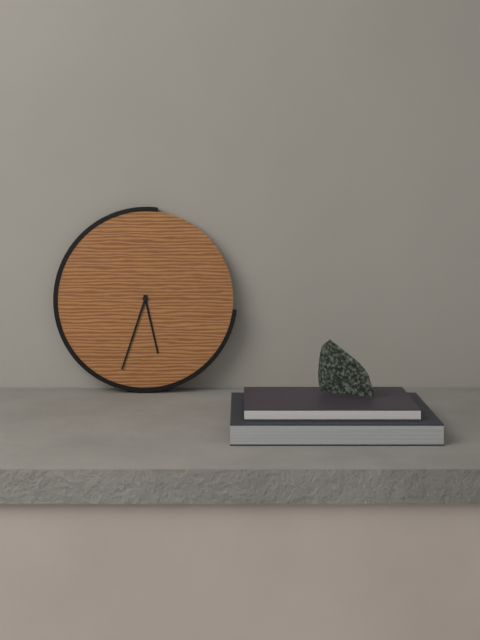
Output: {"hour": 5, "minute": 33}
